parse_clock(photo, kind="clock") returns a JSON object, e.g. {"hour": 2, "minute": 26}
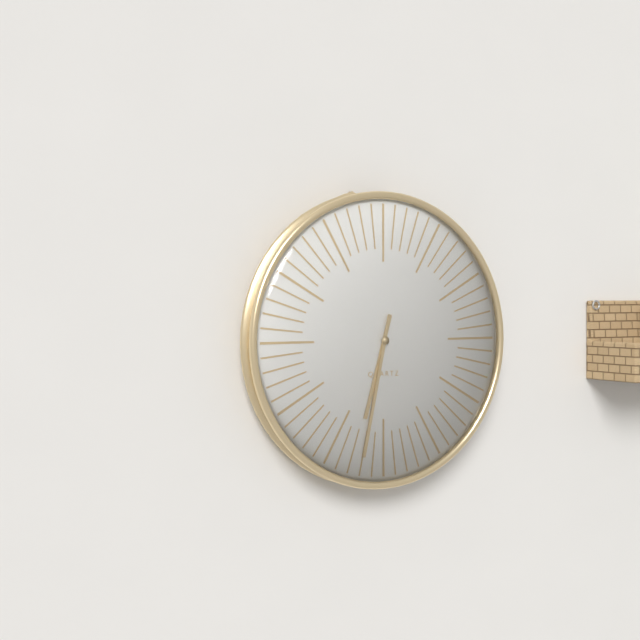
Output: {"hour": 6, "minute": 32}
